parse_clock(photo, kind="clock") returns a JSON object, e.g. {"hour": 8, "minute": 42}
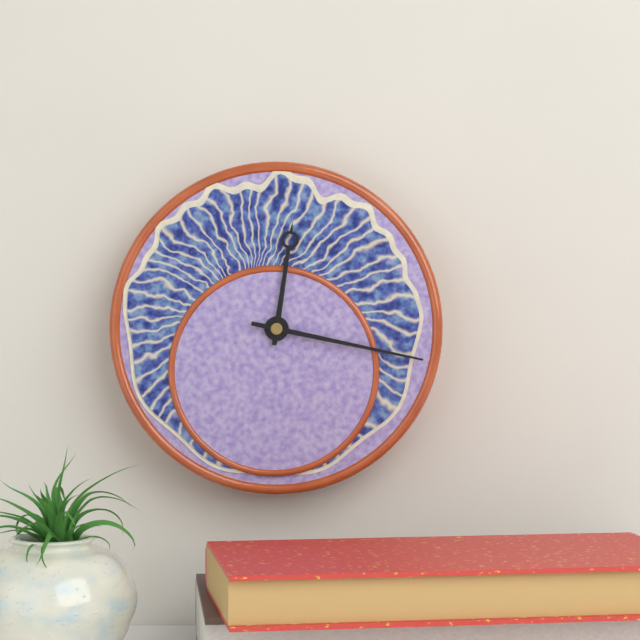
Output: {"hour": 12, "minute": 17}
